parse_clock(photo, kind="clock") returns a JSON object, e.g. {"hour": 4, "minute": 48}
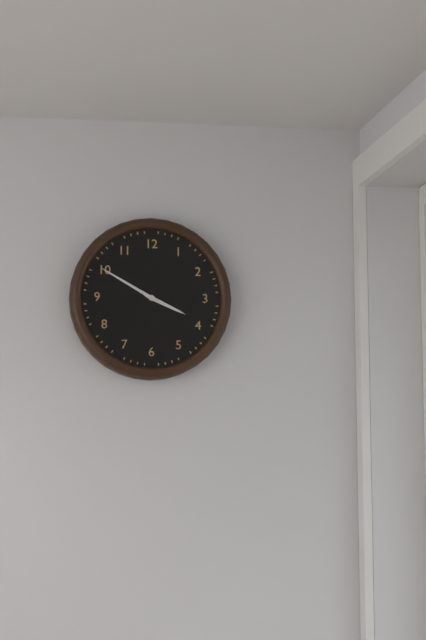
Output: {"hour": 3, "minute": 50}
